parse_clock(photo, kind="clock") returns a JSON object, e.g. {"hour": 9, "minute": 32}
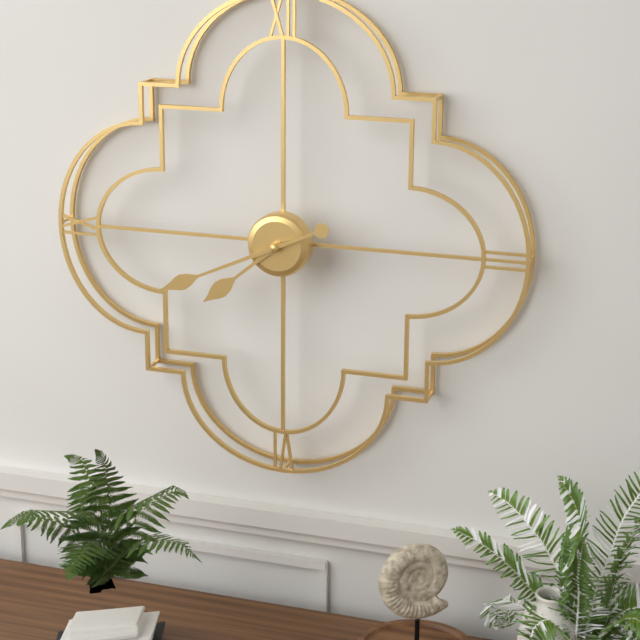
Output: {"hour": 7, "minute": 41}
